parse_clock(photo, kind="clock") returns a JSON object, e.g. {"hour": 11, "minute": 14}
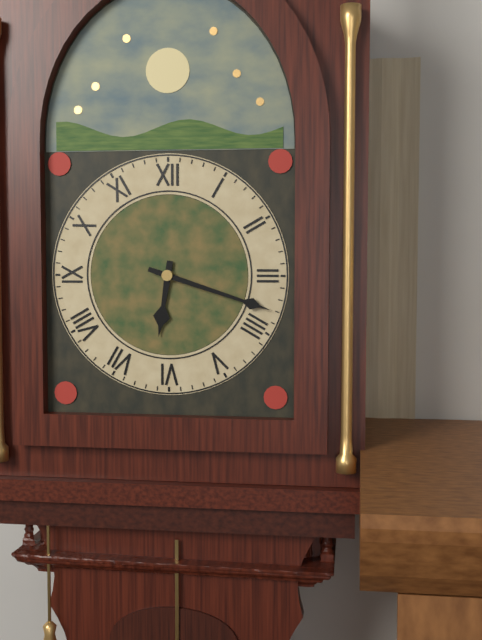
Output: {"hour": 6, "minute": 18}
